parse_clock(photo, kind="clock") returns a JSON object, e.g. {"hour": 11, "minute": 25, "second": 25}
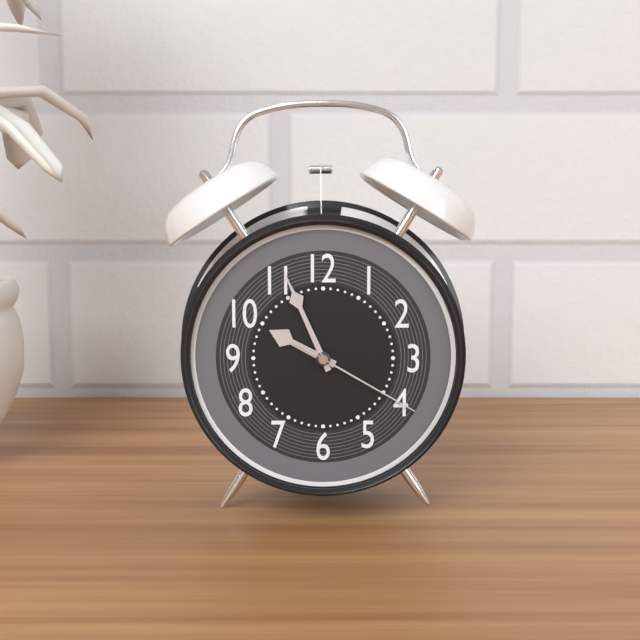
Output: {"hour": 9, "minute": 56, "second": 20}
